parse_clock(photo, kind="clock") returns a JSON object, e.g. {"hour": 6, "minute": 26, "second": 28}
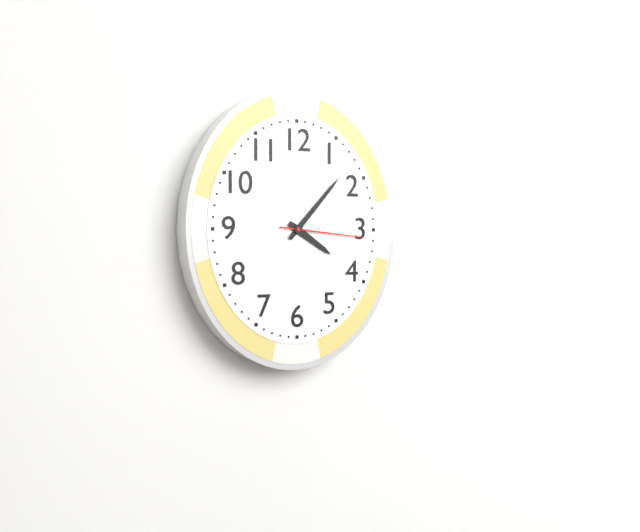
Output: {"hour": 4, "minute": 7, "second": 16}
